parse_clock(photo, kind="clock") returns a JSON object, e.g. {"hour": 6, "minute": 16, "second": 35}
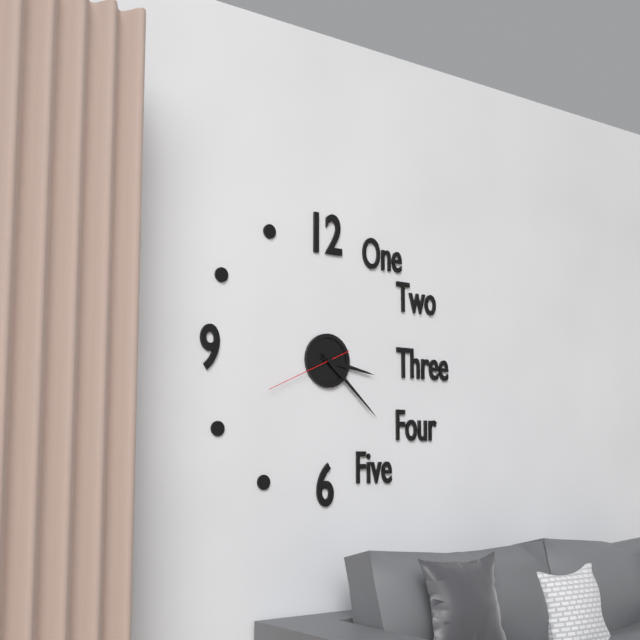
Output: {"hour": 3, "minute": 22, "second": 41}
